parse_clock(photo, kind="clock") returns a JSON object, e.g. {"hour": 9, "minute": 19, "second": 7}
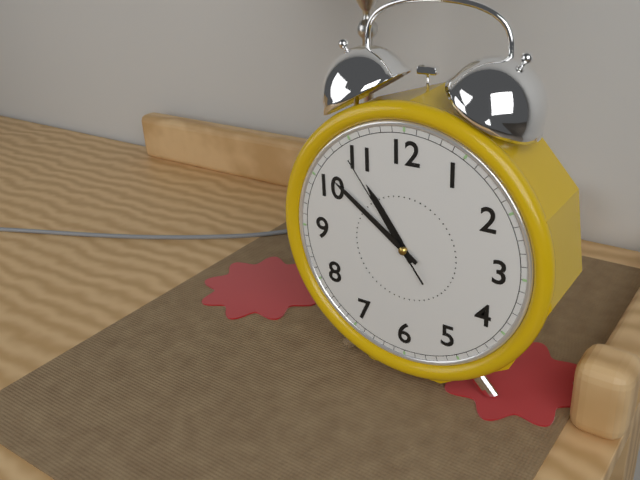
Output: {"hour": 10, "minute": 51, "second": 54}
